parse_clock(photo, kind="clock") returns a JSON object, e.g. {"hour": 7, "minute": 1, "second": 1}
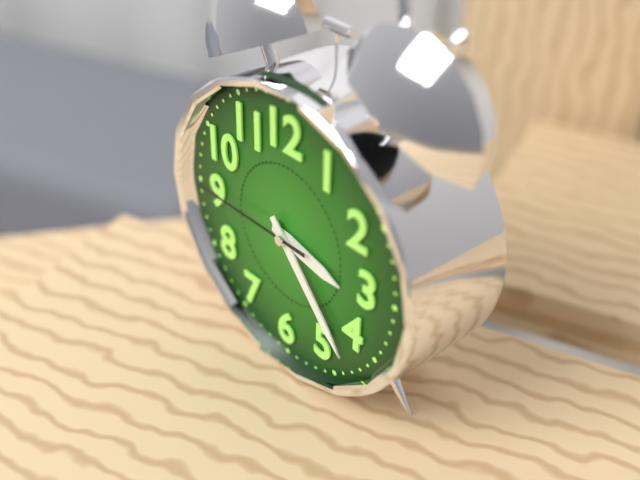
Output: {"hour": 3, "minute": 23, "second": 45}
